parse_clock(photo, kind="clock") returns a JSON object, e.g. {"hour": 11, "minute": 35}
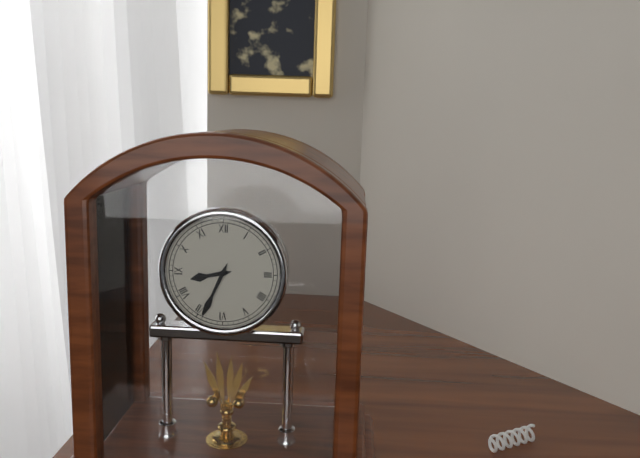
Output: {"hour": 8, "minute": 34}
